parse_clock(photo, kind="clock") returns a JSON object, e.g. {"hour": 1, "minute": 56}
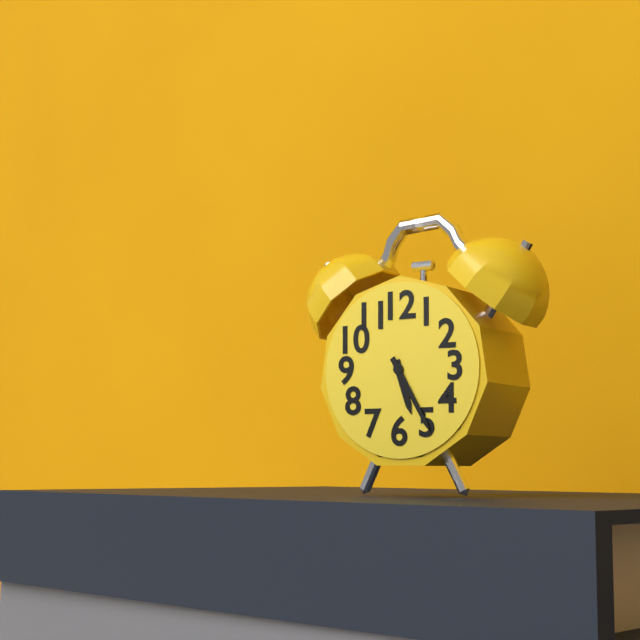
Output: {"hour": 5, "minute": 25}
